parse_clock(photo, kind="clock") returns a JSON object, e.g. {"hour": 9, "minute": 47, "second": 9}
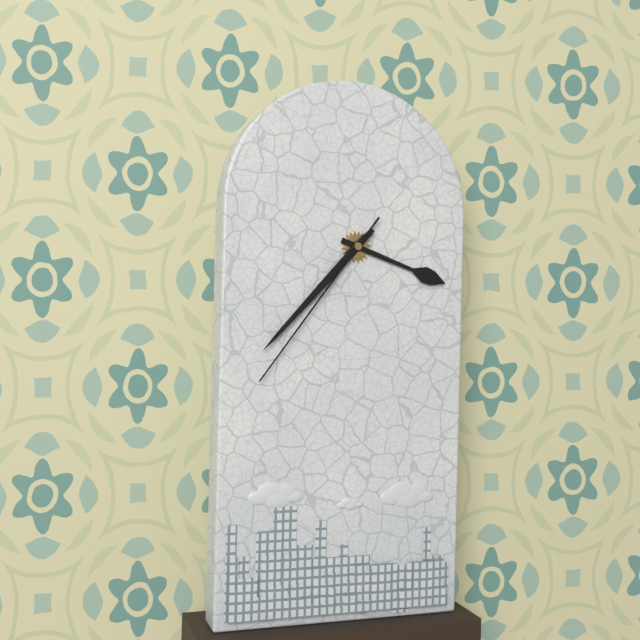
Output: {"hour": 3, "minute": 37, "second": 36}
